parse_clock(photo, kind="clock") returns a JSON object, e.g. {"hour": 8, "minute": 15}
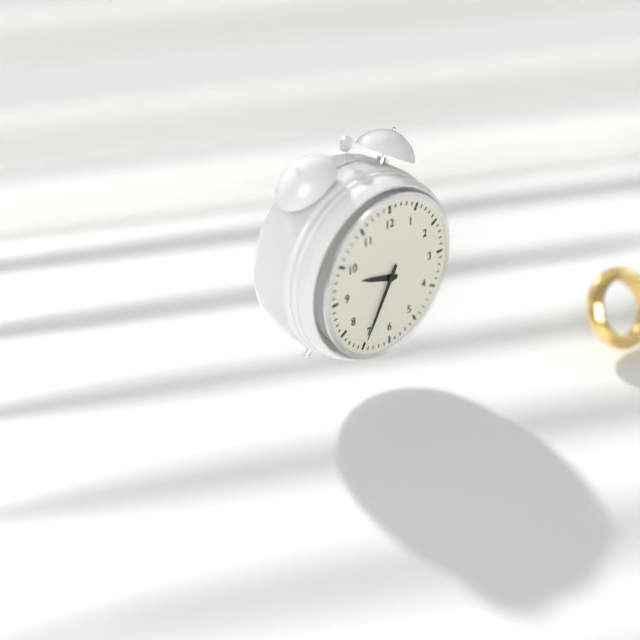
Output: {"hour": 9, "minute": 35}
